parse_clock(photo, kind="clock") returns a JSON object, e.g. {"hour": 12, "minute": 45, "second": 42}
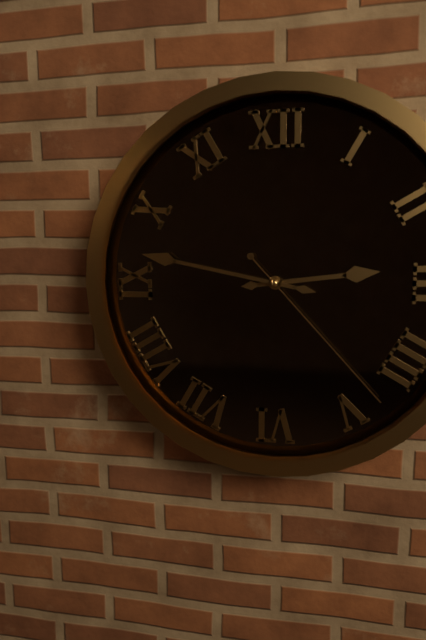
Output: {"hour": 2, "minute": 47, "second": 23}
